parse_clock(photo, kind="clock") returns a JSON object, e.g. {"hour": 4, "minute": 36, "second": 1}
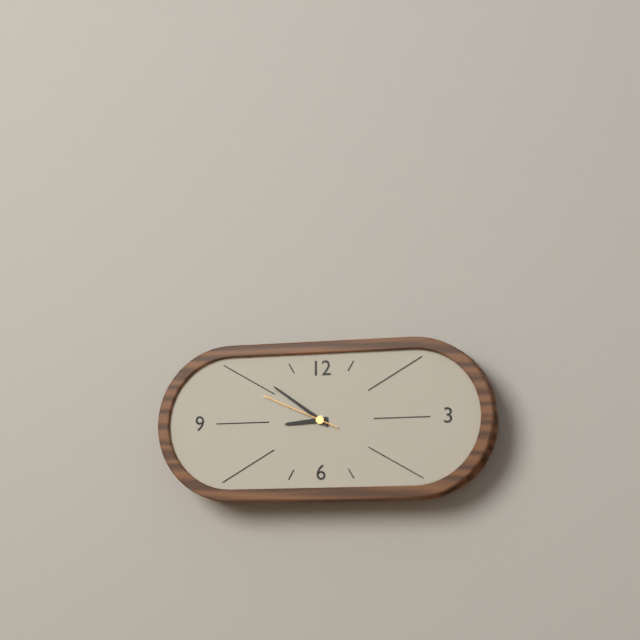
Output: {"hour": 8, "minute": 51, "second": 49}
